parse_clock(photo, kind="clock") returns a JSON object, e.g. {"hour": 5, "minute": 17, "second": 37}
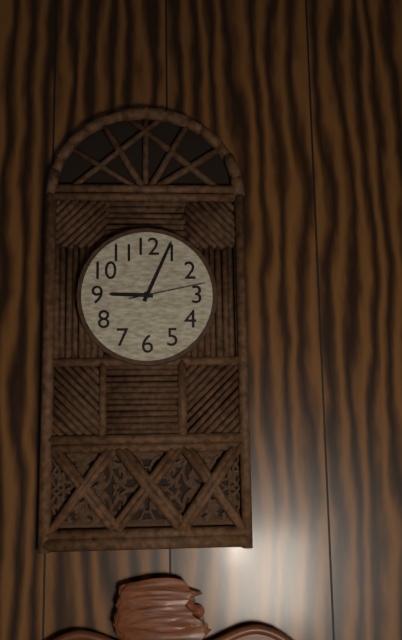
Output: {"hour": 9, "minute": 4, "second": 13}
